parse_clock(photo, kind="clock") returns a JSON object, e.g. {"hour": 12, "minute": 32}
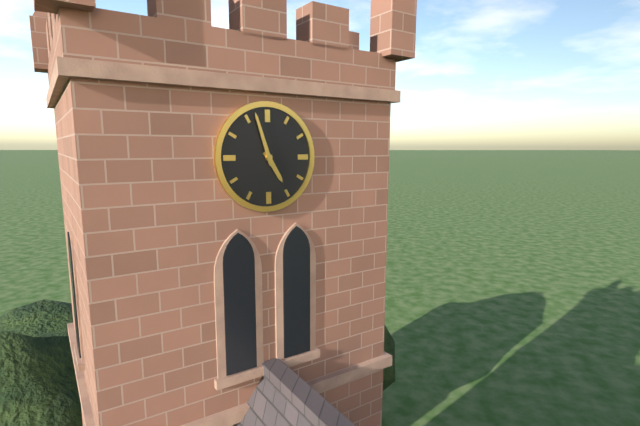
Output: {"hour": 4, "minute": 57}
